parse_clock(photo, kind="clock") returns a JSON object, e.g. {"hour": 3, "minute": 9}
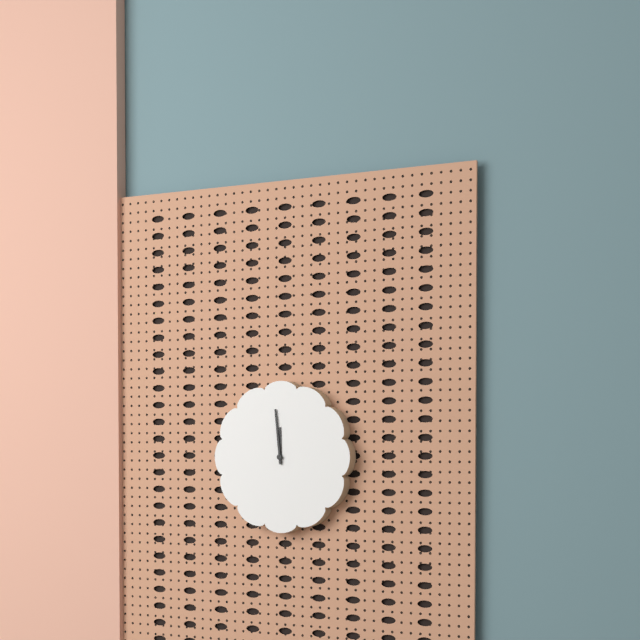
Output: {"hour": 11, "minute": 59}
